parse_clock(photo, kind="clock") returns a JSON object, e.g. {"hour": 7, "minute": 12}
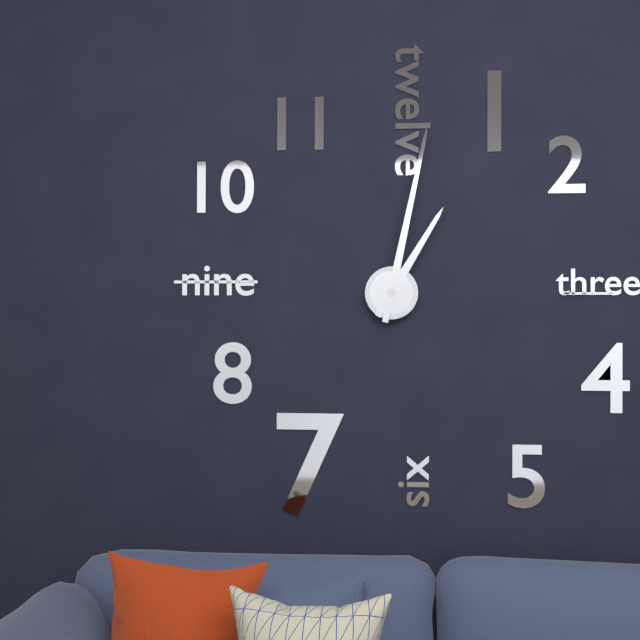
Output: {"hour": 1, "minute": 2}
